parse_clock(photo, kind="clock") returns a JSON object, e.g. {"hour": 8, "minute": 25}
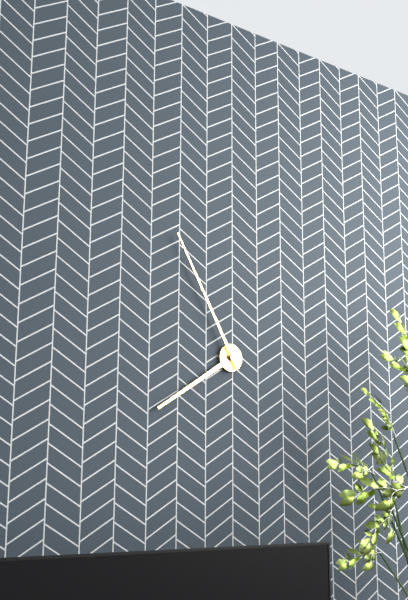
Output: {"hour": 7, "minute": 55}
